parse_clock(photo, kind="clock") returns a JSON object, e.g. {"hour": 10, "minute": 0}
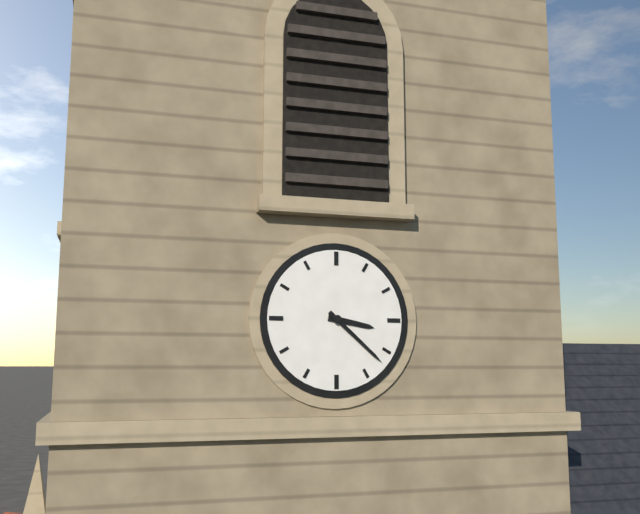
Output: {"hour": 3, "minute": 22}
